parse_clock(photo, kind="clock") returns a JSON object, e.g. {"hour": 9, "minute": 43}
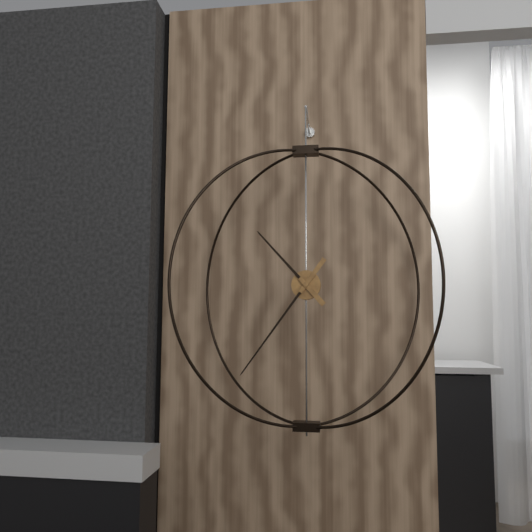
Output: {"hour": 10, "minute": 36}
